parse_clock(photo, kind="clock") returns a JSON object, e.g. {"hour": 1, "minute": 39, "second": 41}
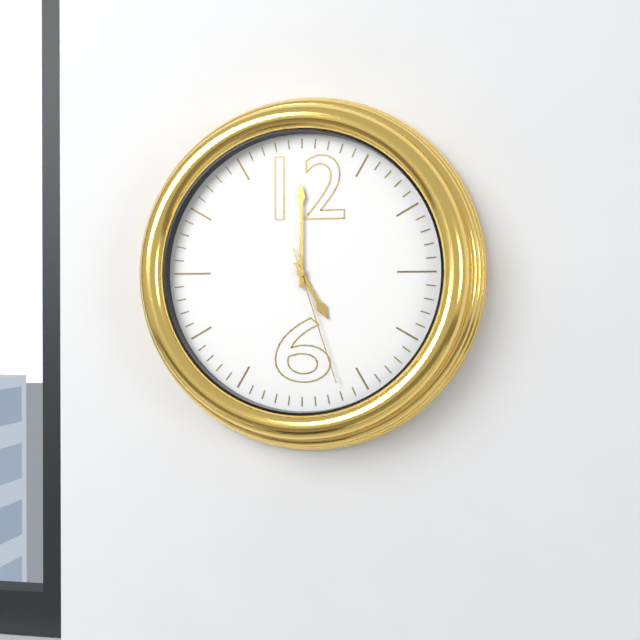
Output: {"hour": 5, "minute": 0, "second": 27}
